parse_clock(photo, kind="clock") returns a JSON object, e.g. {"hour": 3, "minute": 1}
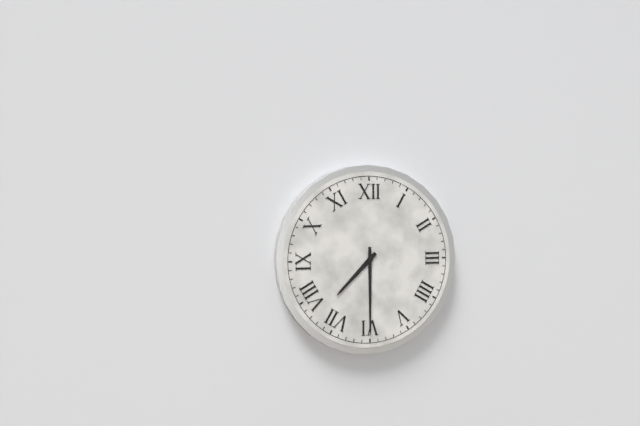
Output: {"hour": 7, "minute": 30}
